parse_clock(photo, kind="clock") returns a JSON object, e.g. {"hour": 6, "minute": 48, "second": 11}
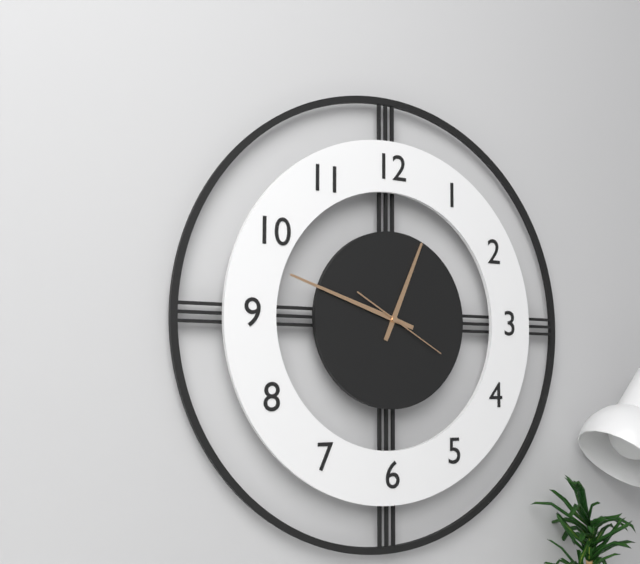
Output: {"hour": 12, "minute": 48, "second": 20}
